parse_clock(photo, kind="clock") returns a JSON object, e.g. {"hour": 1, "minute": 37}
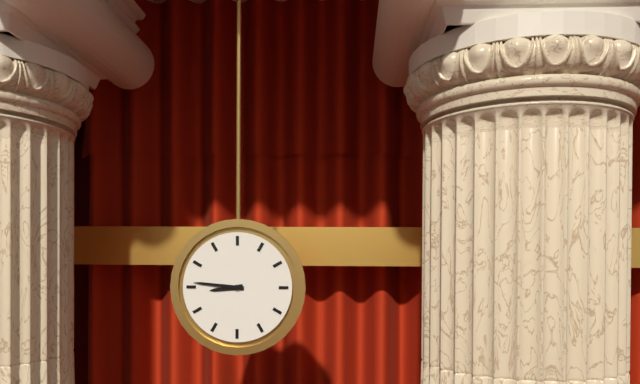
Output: {"hour": 8, "minute": 46}
